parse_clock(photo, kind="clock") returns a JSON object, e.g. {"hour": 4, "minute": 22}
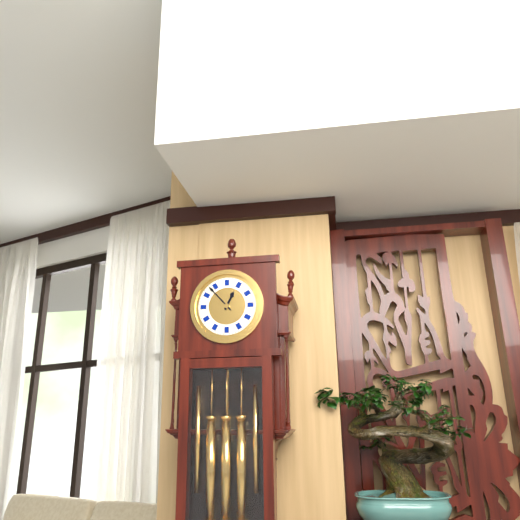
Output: {"hour": 12, "minute": 53}
